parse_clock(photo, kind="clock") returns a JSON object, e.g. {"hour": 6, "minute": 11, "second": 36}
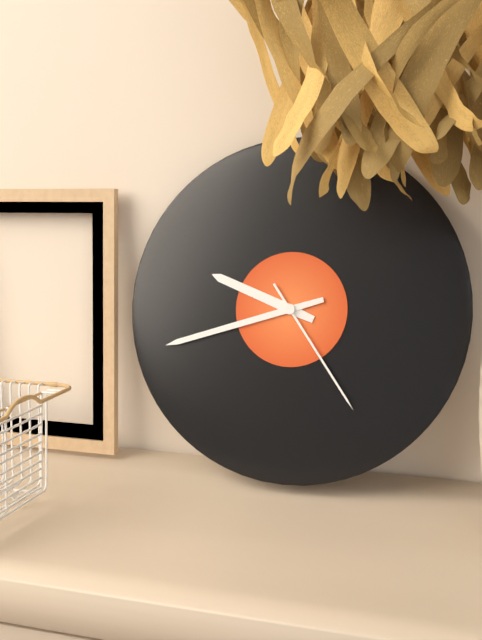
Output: {"hour": 9, "minute": 42, "second": 24}
